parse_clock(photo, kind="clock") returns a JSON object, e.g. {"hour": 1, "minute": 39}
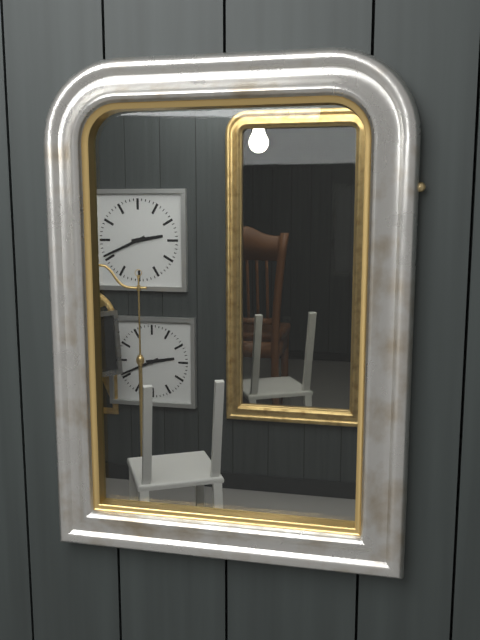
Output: {"hour": 2, "minute": 41}
